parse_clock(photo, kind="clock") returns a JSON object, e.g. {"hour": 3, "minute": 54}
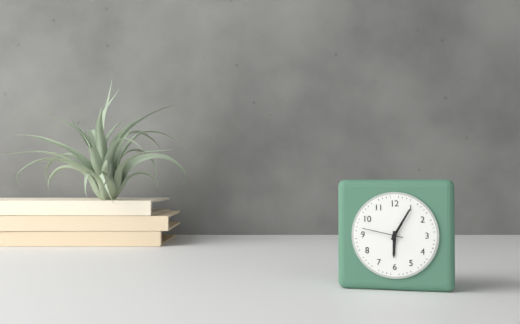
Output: {"hour": 6, "minute": 5}
